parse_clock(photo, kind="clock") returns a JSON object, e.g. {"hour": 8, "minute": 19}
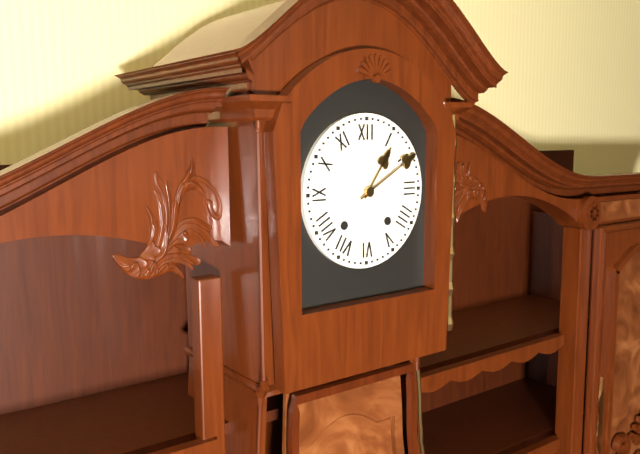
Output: {"hour": 1, "minute": 10}
